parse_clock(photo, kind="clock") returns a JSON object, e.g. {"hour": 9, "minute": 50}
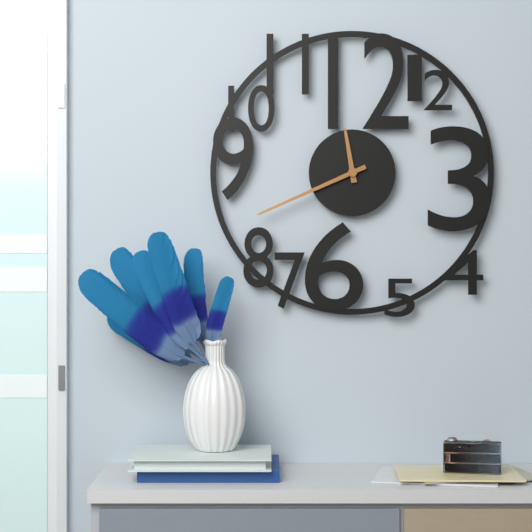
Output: {"hour": 11, "minute": 41}
